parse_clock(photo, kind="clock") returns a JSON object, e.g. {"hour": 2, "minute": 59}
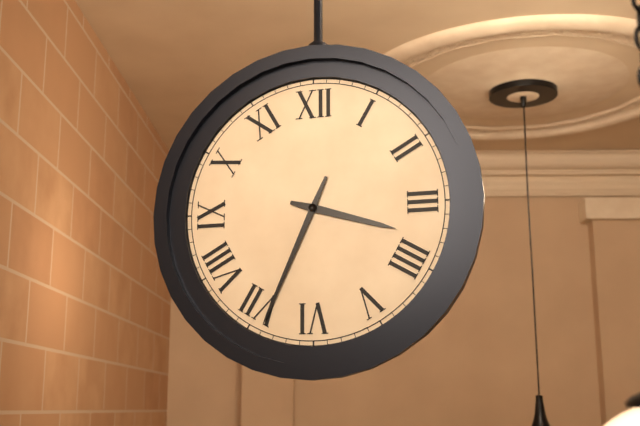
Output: {"hour": 3, "minute": 34}
